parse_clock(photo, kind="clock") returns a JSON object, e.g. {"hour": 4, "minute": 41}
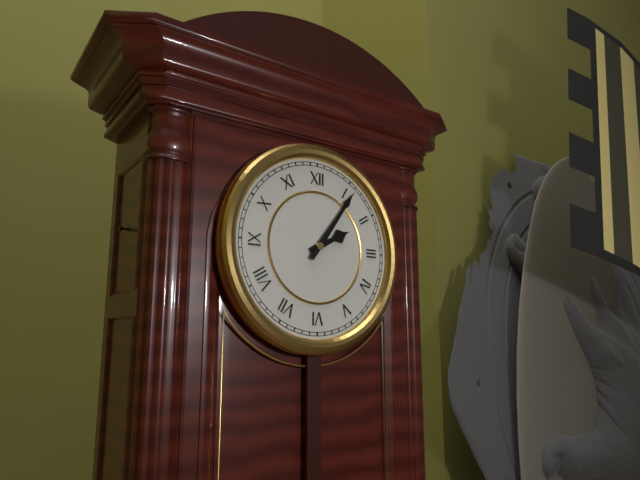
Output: {"hour": 2, "minute": 6}
